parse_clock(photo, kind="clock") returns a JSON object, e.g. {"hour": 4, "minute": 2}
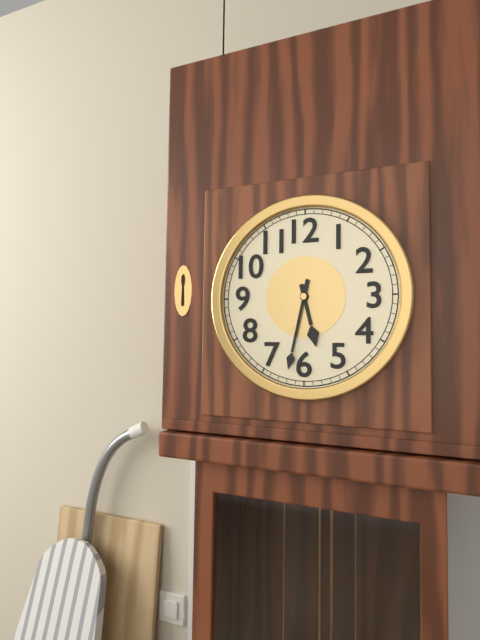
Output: {"hour": 5, "minute": 32}
